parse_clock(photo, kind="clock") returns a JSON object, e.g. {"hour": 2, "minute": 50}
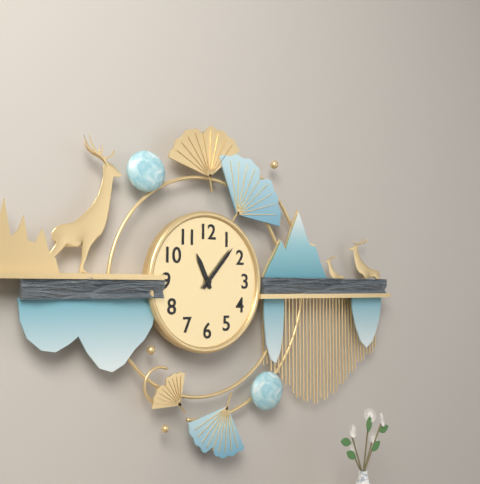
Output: {"hour": 11, "minute": 7}
